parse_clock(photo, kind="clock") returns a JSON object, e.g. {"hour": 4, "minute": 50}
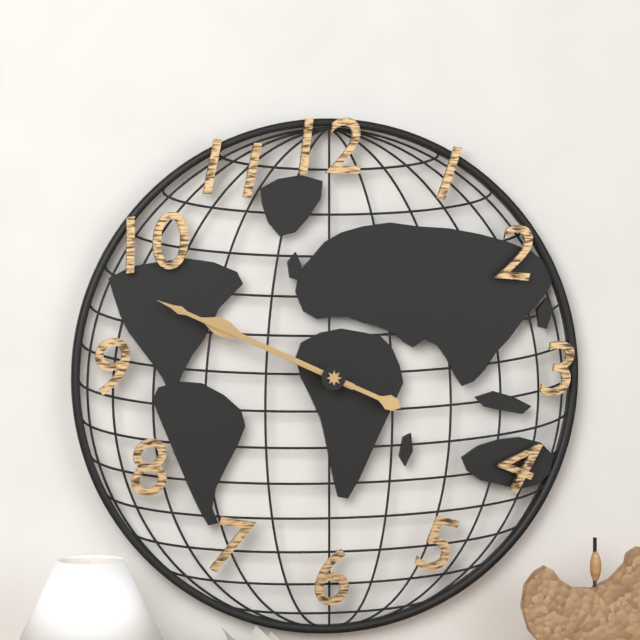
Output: {"hour": 9, "minute": 49}
